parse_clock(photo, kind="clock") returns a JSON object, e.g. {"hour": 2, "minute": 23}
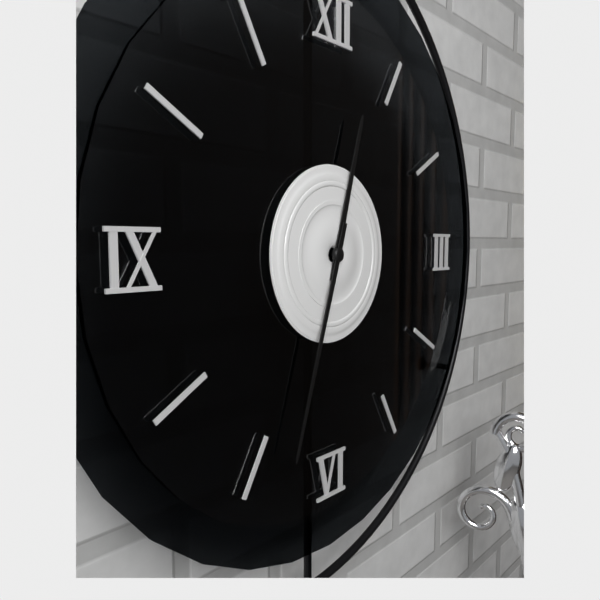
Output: {"hour": 12, "minute": 33}
